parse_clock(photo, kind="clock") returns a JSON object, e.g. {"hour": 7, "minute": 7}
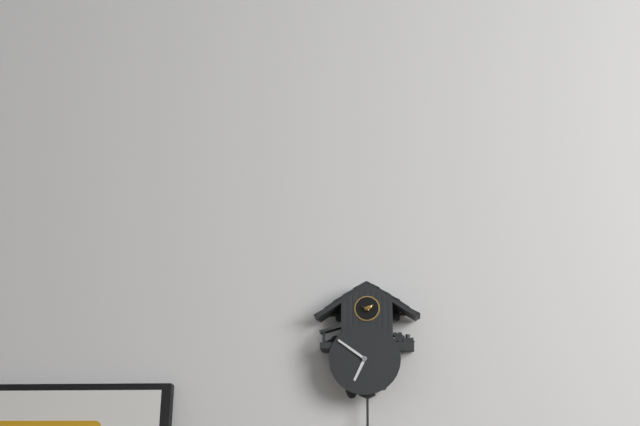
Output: {"hour": 6, "minute": 51}
